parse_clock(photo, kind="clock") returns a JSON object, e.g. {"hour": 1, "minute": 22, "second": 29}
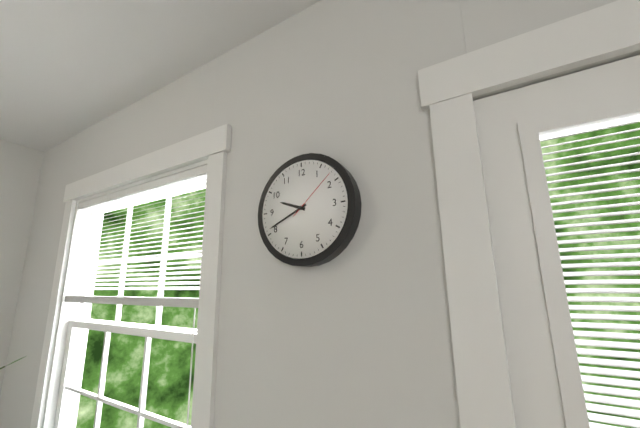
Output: {"hour": 9, "minute": 41, "second": 8}
